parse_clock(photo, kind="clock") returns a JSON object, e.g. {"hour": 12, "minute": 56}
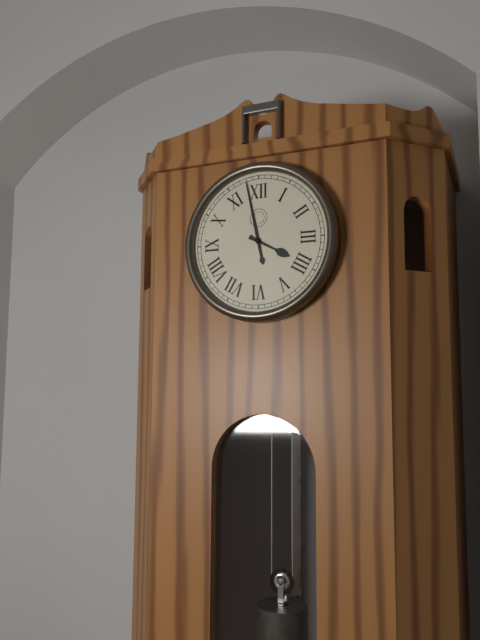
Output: {"hour": 3, "minute": 58}
